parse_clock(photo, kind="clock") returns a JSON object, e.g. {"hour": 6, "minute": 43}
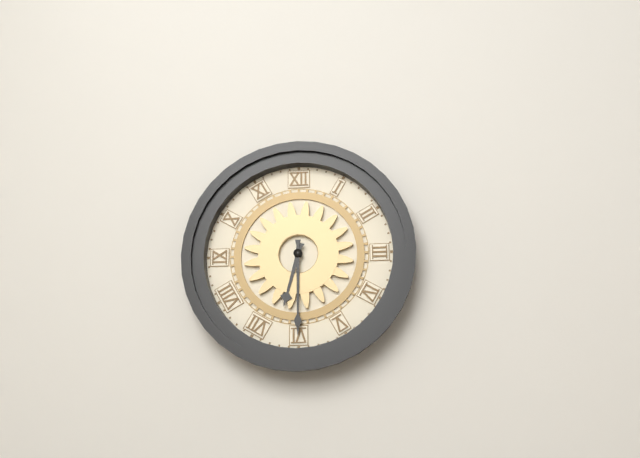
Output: {"hour": 6, "minute": 30}
